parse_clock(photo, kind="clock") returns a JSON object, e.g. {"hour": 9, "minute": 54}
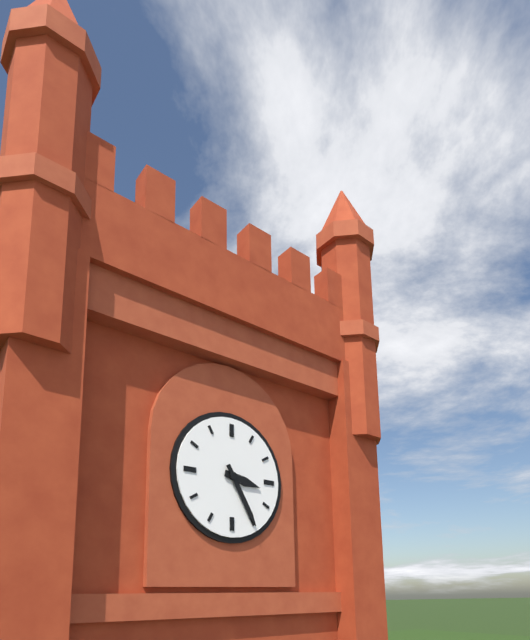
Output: {"hour": 3, "minute": 25}
